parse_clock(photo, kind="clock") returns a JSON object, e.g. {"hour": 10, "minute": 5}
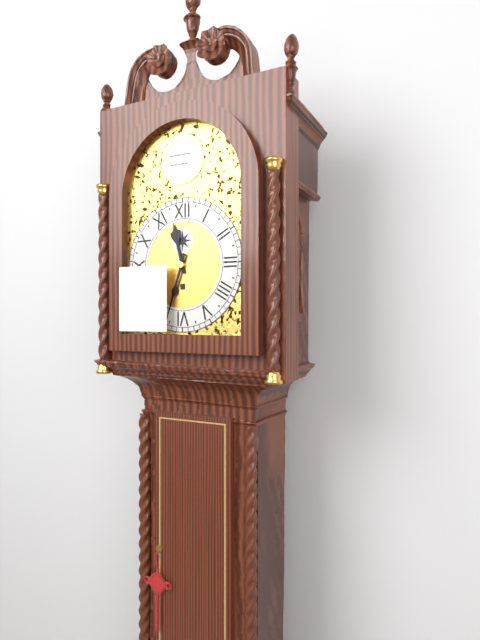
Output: {"hour": 11, "minute": 33}
